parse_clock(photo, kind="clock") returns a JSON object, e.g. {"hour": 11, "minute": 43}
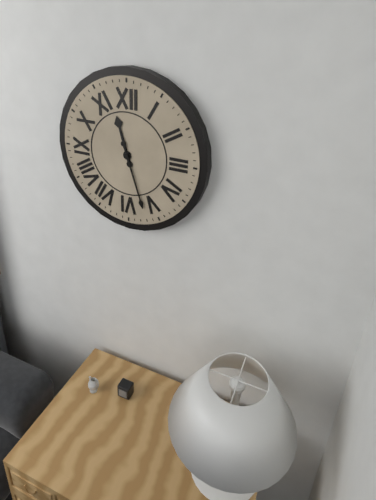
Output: {"hour": 11, "minute": 27}
